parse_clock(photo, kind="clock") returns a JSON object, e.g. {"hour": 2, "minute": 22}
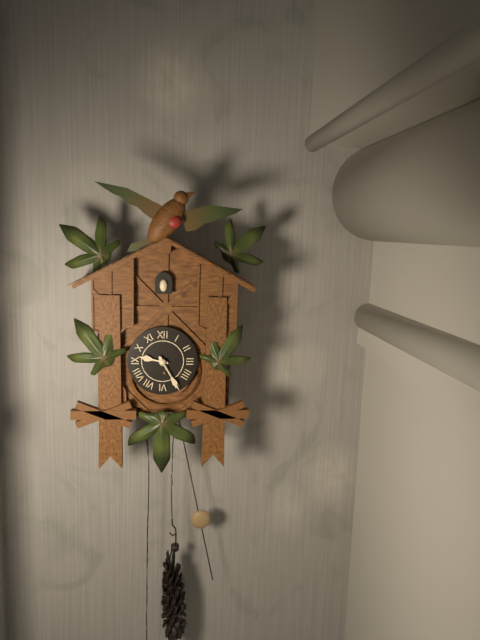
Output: {"hour": 9, "minute": 25}
